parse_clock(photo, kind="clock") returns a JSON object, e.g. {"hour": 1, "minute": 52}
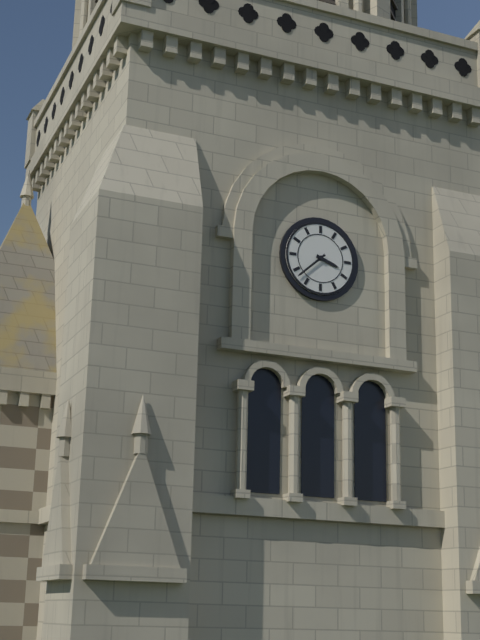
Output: {"hour": 3, "minute": 38}
